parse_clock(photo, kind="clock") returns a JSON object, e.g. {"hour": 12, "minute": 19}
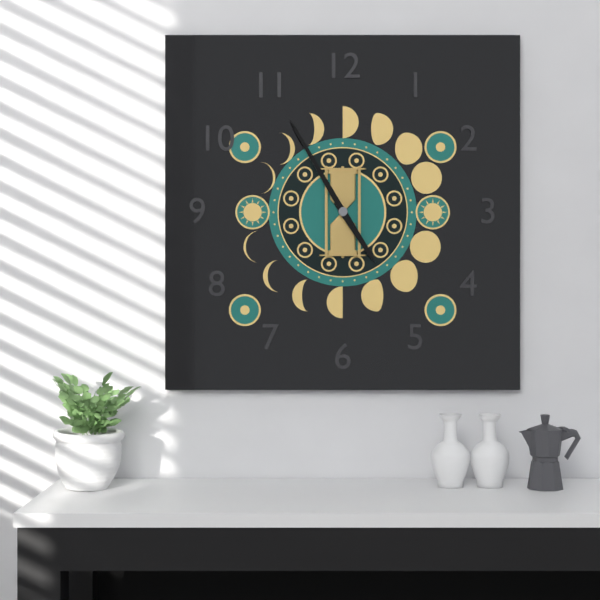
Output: {"hour": 4, "minute": 55}
